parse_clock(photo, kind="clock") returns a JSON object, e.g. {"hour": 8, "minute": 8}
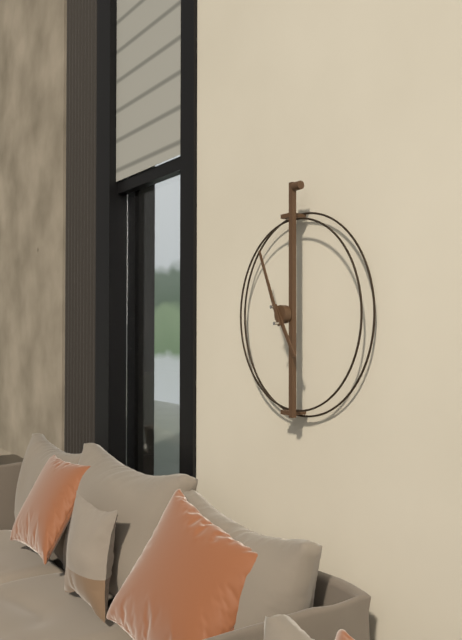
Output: {"hour": 4, "minute": 56}
